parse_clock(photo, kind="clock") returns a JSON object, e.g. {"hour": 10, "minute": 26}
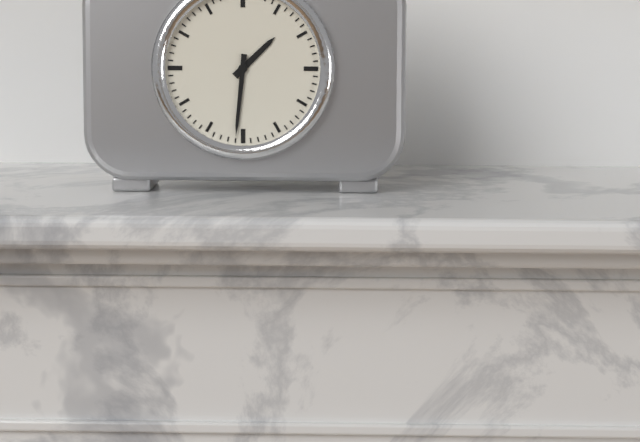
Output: {"hour": 1, "minute": 31}
